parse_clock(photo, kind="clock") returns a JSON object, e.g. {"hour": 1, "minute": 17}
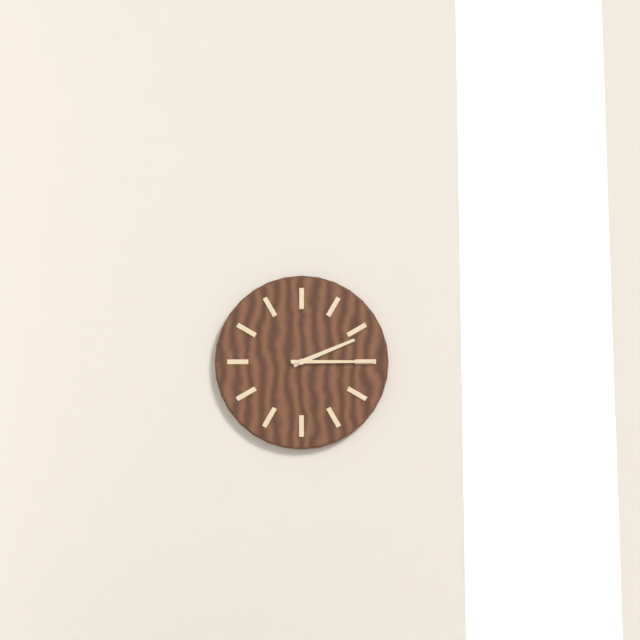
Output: {"hour": 2, "minute": 15}
